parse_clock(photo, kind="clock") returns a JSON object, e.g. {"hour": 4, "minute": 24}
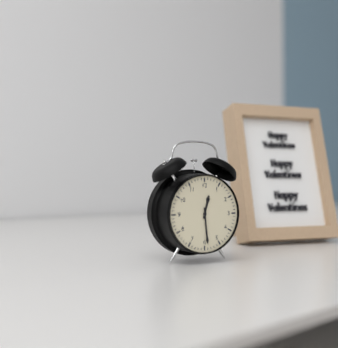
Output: {"hour": 12, "minute": 29}
